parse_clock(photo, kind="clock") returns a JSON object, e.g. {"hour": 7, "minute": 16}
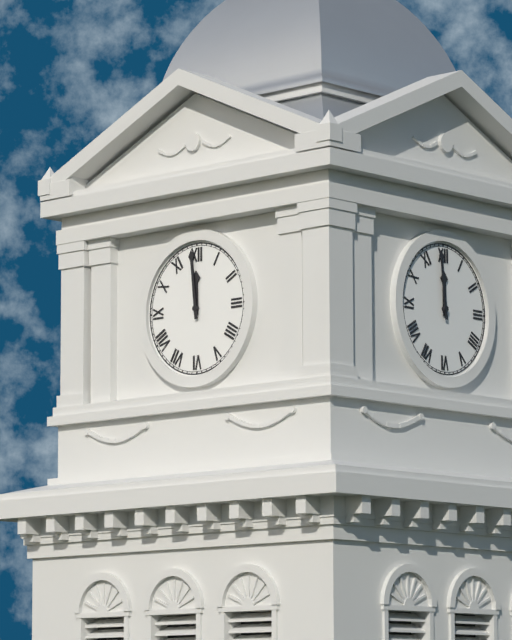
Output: {"hour": 11, "minute": 59}
